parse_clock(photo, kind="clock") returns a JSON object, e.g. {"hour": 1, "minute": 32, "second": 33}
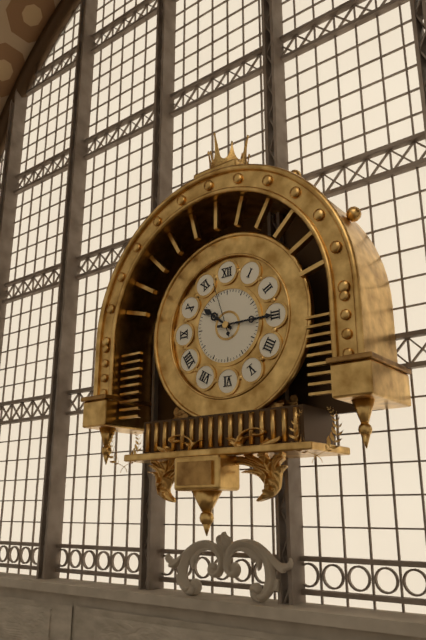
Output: {"hour": 10, "minute": 15, "second": 57}
